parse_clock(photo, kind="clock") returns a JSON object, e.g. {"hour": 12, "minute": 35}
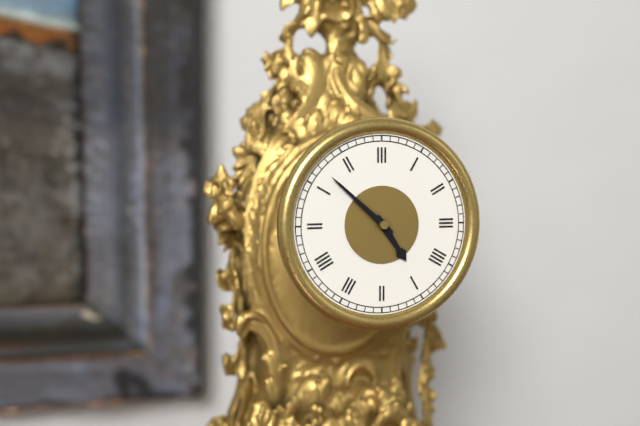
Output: {"hour": 4, "minute": 52}
